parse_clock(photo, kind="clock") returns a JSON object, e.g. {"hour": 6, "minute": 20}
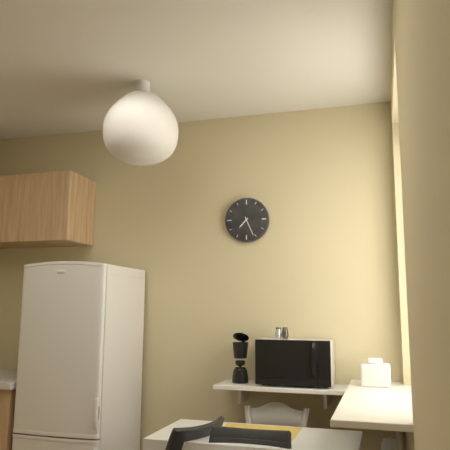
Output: {"hour": 7, "minute": 26}
